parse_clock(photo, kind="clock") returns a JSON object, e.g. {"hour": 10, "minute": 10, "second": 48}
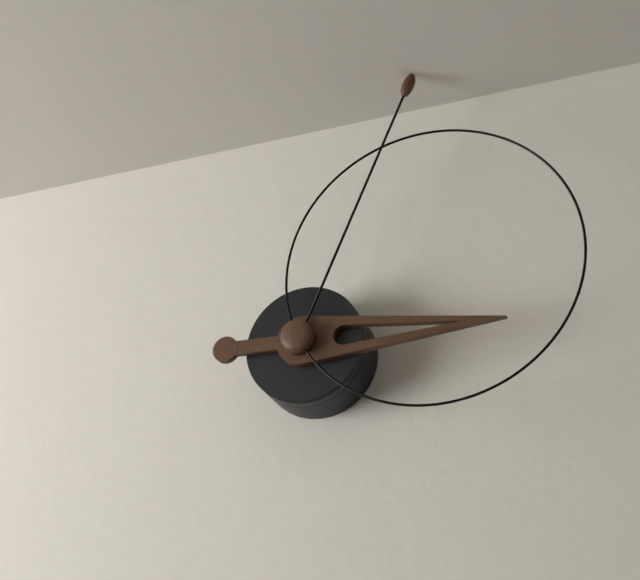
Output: {"hour": 3, "minute": 4, "second": 11}
